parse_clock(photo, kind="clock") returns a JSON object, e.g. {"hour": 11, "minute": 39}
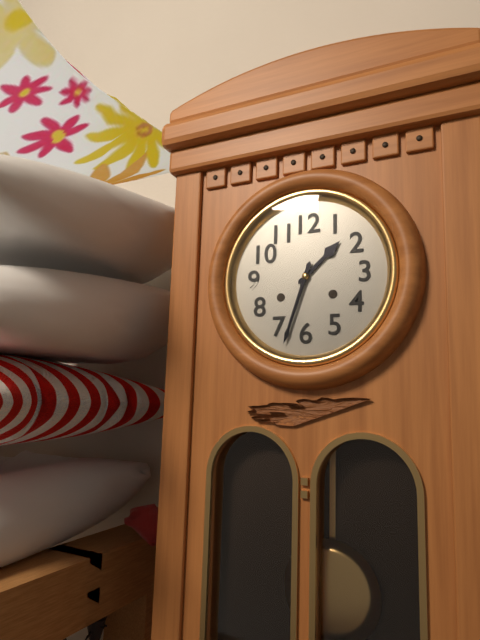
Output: {"hour": 1, "minute": 33}
